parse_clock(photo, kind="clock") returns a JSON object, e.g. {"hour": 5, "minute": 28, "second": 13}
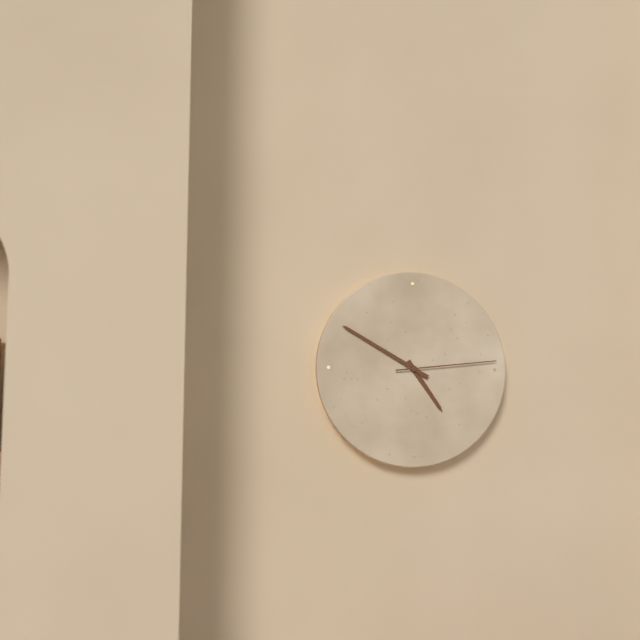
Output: {"hour": 4, "minute": 50, "second": 14}
